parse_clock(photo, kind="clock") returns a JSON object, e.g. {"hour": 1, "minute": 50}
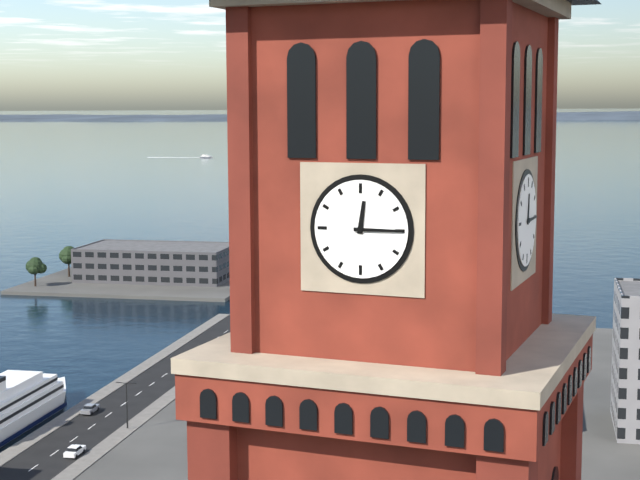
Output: {"hour": 12, "minute": 15}
